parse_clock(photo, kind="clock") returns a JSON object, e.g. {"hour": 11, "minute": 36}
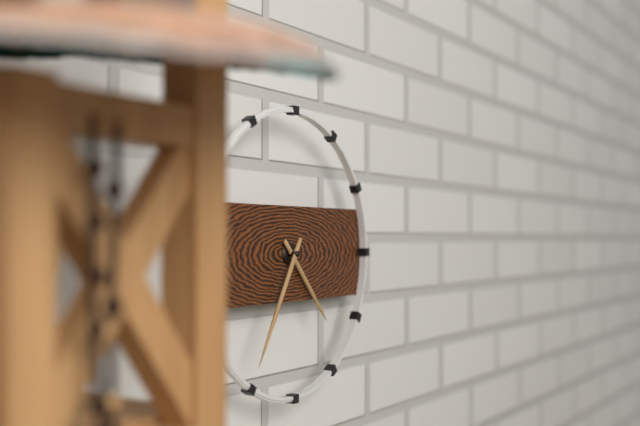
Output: {"hour": 4, "minute": 35}
